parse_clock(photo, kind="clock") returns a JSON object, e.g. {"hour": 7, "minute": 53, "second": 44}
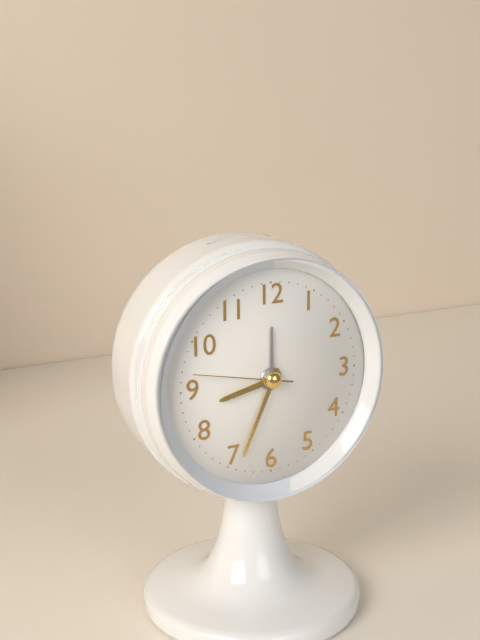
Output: {"hour": 8, "minute": 34, "second": 47}
